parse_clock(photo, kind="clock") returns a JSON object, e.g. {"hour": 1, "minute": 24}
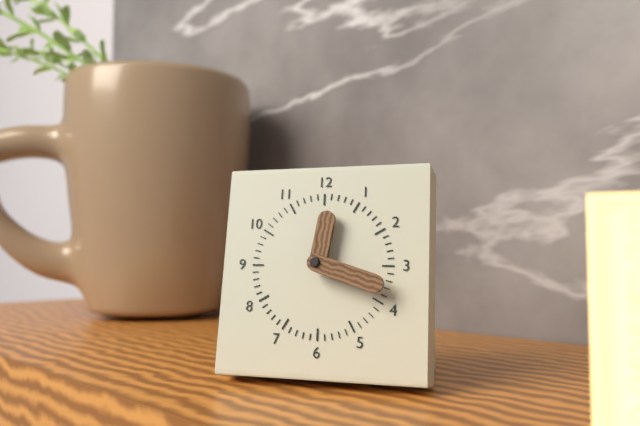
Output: {"hour": 12, "minute": 18}
